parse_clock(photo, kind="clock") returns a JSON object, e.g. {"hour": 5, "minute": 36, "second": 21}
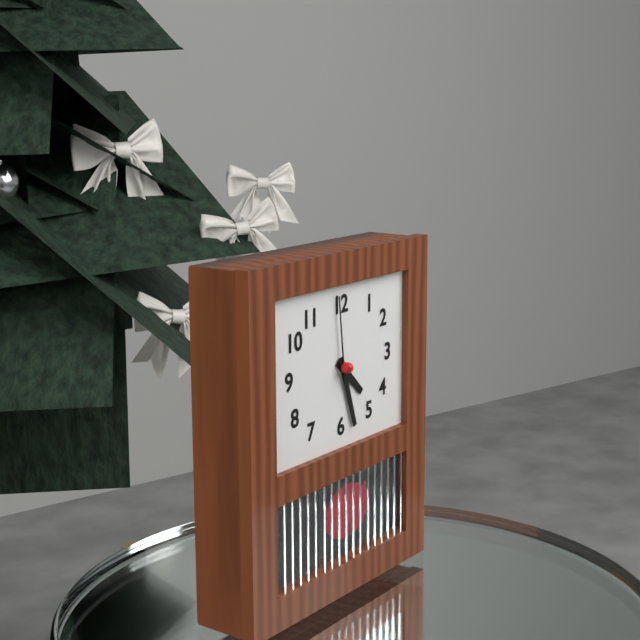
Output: {"hour": 4, "minute": 27, "second": 59}
